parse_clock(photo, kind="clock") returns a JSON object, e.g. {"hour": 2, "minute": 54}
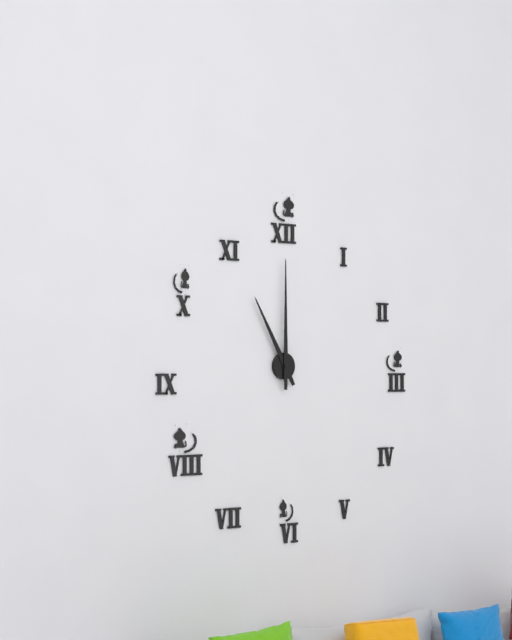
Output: {"hour": 11, "minute": 0}
